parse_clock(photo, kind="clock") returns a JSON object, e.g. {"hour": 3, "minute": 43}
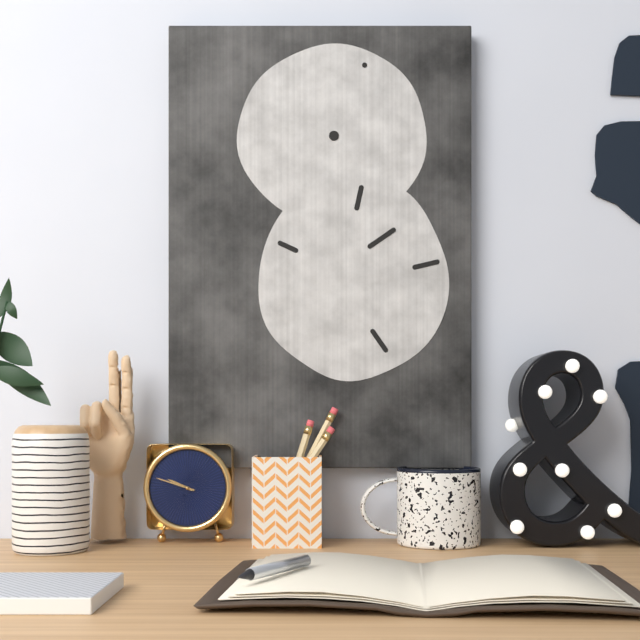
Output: {"hour": 9, "minute": 48}
